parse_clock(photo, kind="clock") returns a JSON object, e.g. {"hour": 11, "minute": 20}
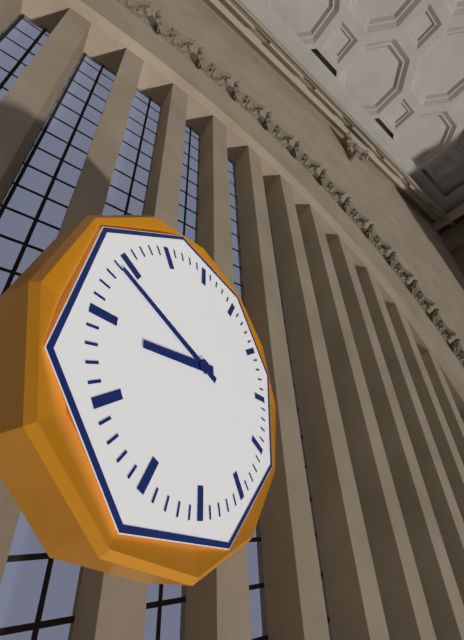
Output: {"hour": 8, "minute": 49}
